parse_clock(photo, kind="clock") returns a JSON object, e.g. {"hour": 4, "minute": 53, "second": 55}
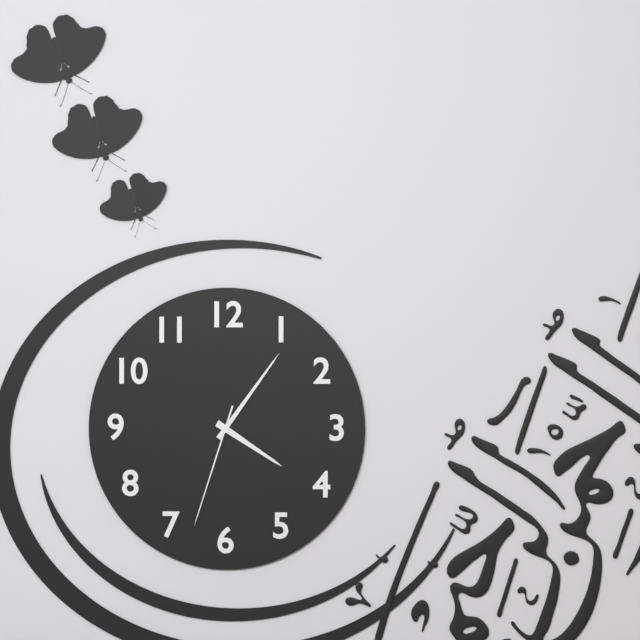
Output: {"hour": 4, "minute": 6, "second": 33}
